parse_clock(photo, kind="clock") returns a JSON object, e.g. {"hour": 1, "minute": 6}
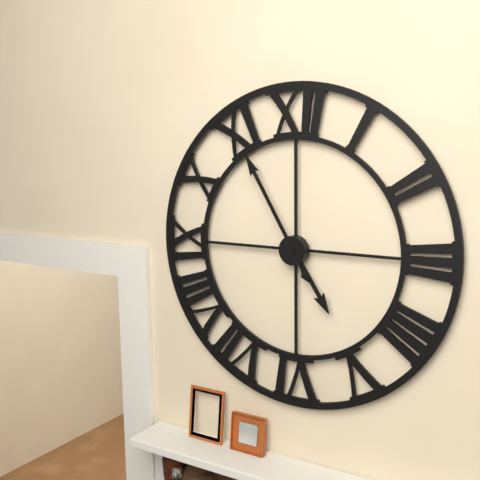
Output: {"hour": 4, "minute": 55}
